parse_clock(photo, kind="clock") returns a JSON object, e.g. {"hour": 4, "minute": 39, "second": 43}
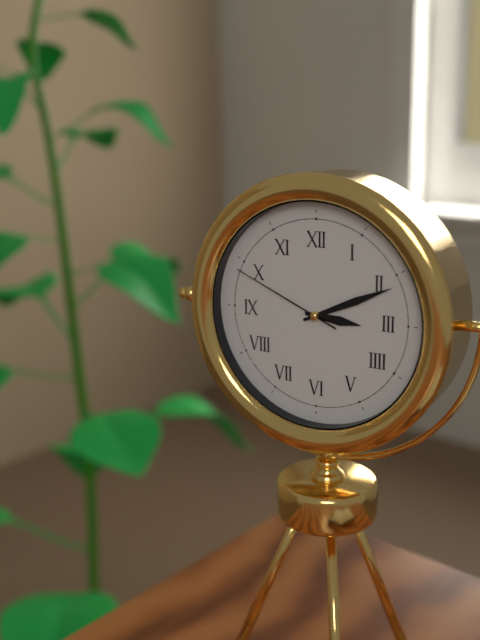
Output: {"hour": 3, "minute": 11, "second": 49}
